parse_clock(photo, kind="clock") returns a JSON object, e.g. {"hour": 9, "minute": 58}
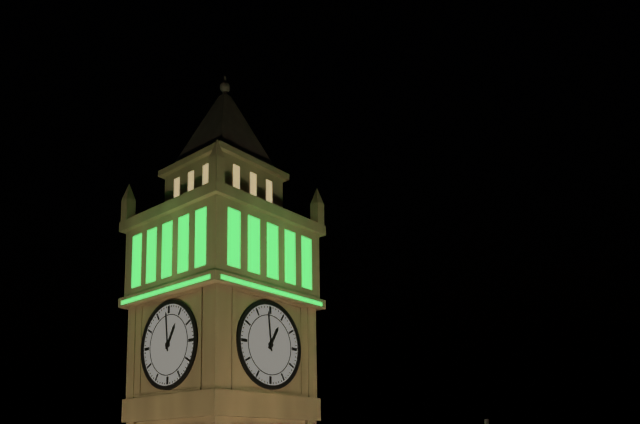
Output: {"hour": 12, "minute": 59}
